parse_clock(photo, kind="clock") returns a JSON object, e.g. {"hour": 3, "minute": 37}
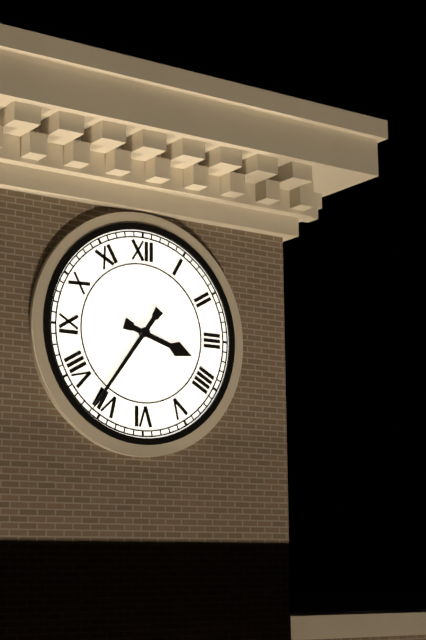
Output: {"hour": 3, "minute": 36}
